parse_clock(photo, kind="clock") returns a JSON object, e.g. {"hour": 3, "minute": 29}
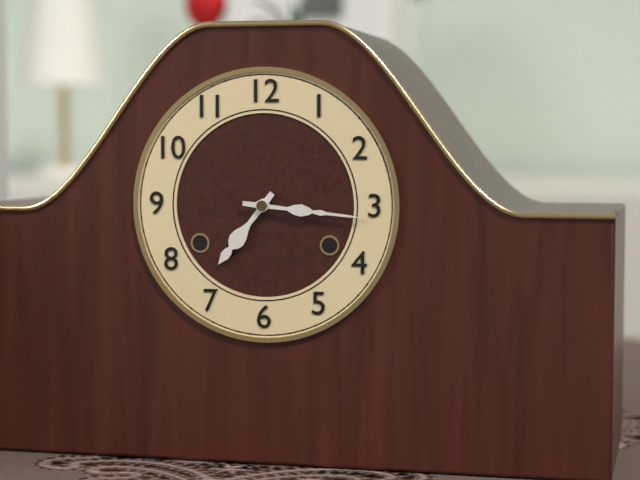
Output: {"hour": 7, "minute": 16}
